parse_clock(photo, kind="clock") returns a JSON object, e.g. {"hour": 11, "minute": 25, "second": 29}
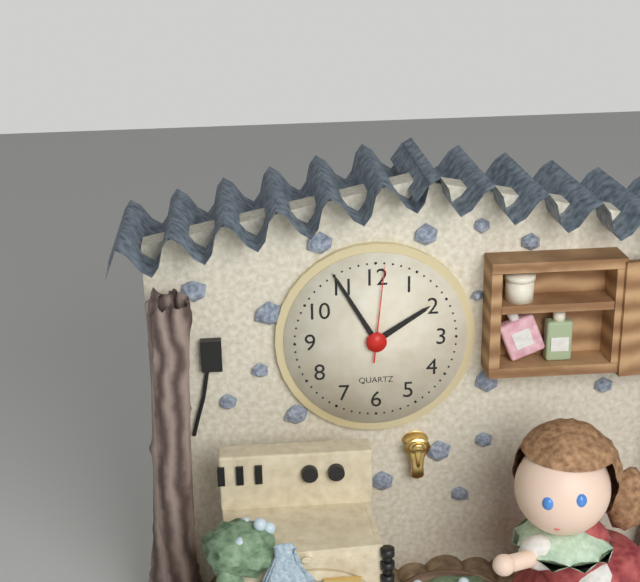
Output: {"hour": 1, "minute": 55, "second": 1}
